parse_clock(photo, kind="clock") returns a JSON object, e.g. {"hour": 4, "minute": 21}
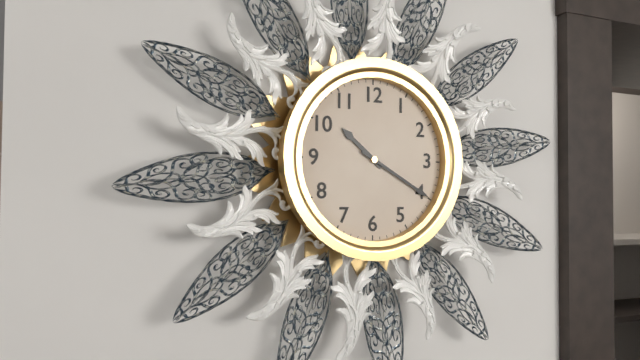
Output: {"hour": 10, "minute": 20}
